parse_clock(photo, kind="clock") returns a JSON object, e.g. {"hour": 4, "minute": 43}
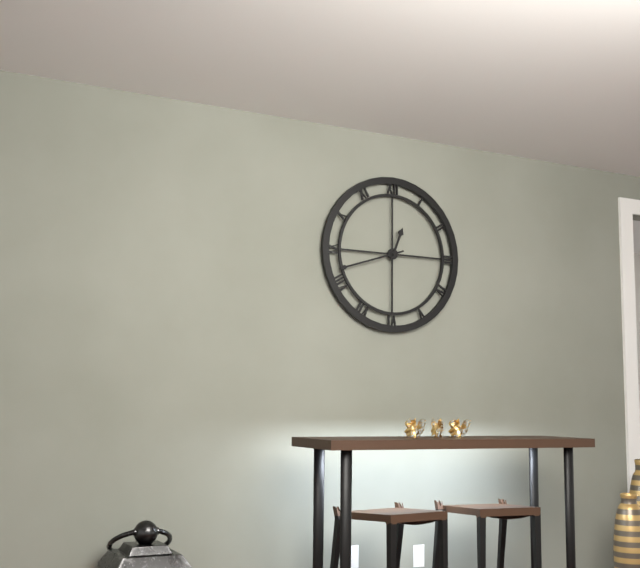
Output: {"hour": 12, "minute": 42}
